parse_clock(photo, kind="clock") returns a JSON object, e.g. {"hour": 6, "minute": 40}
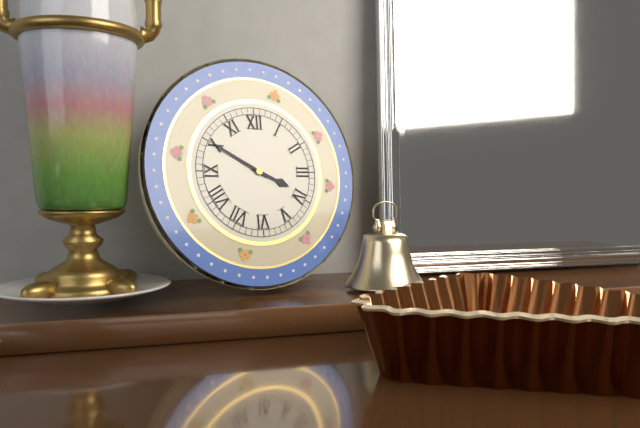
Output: {"hour": 3, "minute": 50}
